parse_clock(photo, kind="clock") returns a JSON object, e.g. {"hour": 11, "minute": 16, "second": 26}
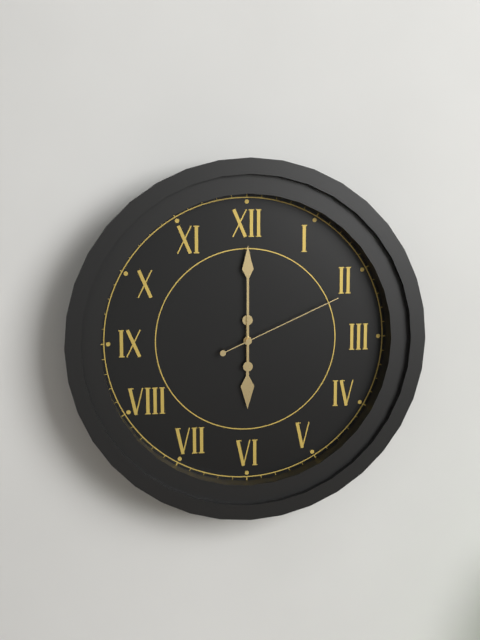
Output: {"hour": 6, "minute": 0, "second": 11}
